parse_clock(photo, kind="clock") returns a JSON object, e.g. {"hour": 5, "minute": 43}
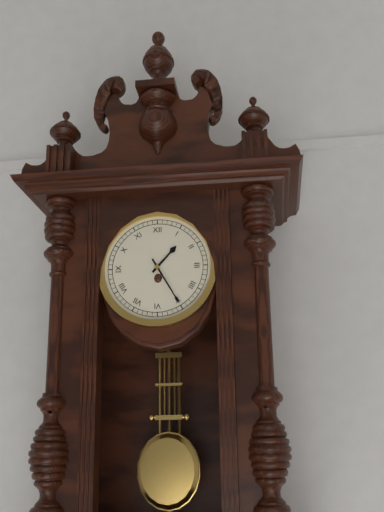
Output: {"hour": 1, "minute": 25}
